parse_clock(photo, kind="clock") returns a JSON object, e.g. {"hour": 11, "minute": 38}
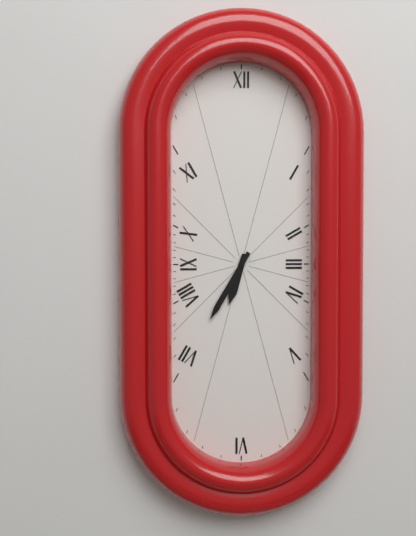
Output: {"hour": 6, "minute": 35}
